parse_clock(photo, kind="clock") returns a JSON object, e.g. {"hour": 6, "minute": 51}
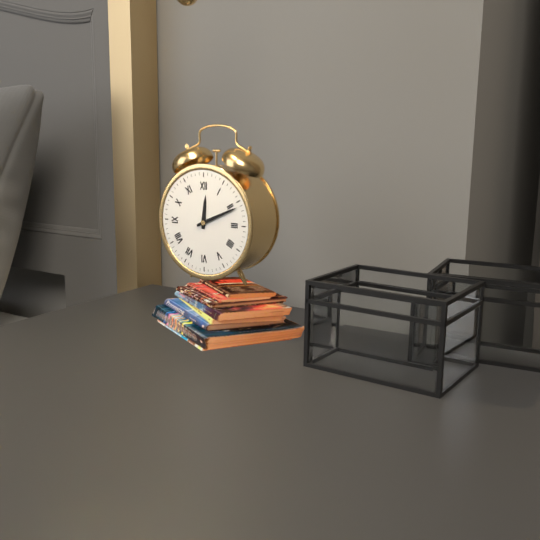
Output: {"hour": 12, "minute": 11}
